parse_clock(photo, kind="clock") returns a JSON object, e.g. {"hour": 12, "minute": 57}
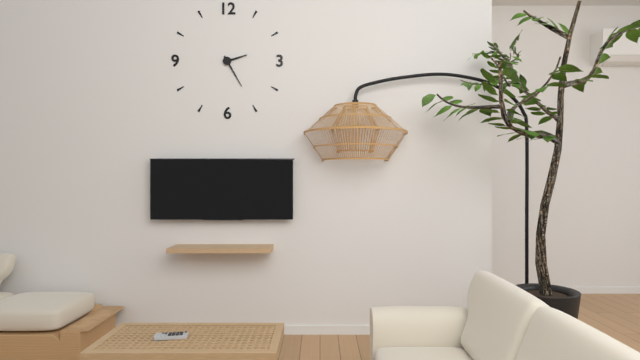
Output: {"hour": 2, "minute": 25}
